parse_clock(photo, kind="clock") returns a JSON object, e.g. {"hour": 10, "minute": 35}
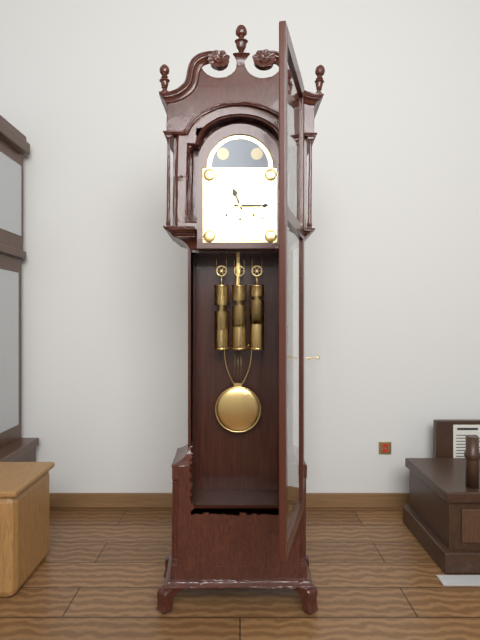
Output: {"hour": 11, "minute": 15}
